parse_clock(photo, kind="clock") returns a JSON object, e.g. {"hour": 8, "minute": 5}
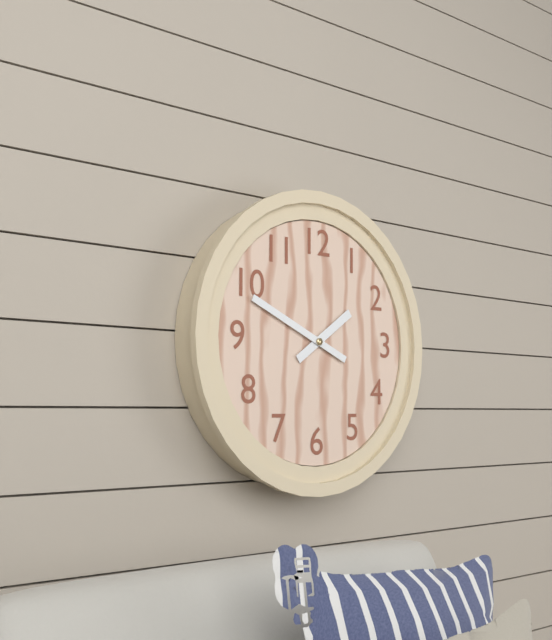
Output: {"hour": 1, "minute": 49}
